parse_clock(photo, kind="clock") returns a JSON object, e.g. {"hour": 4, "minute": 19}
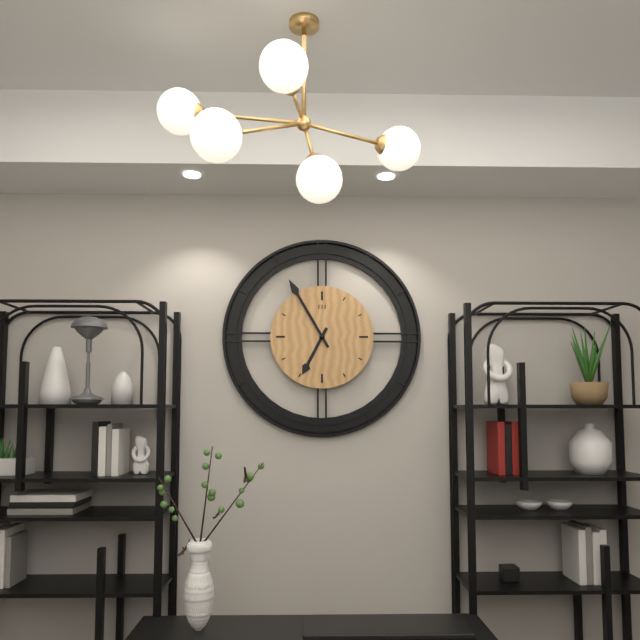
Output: {"hour": 6, "minute": 55}
